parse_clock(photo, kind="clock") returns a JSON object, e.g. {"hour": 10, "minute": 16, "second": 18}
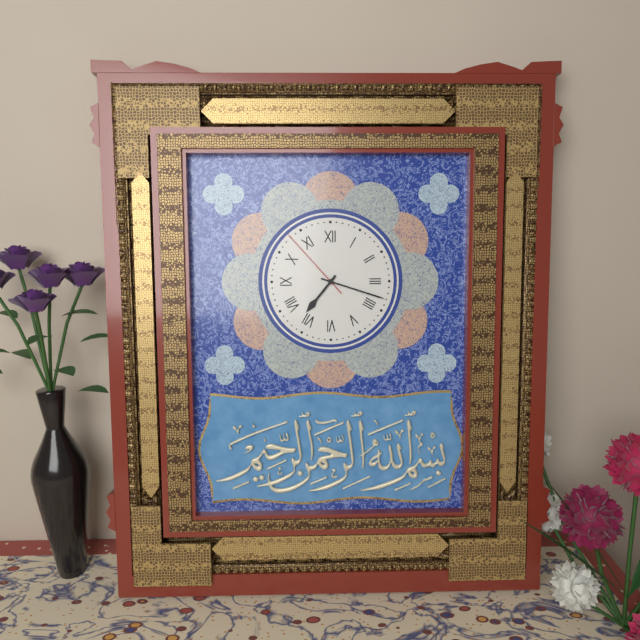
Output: {"hour": 7, "minute": 18, "second": 53}
